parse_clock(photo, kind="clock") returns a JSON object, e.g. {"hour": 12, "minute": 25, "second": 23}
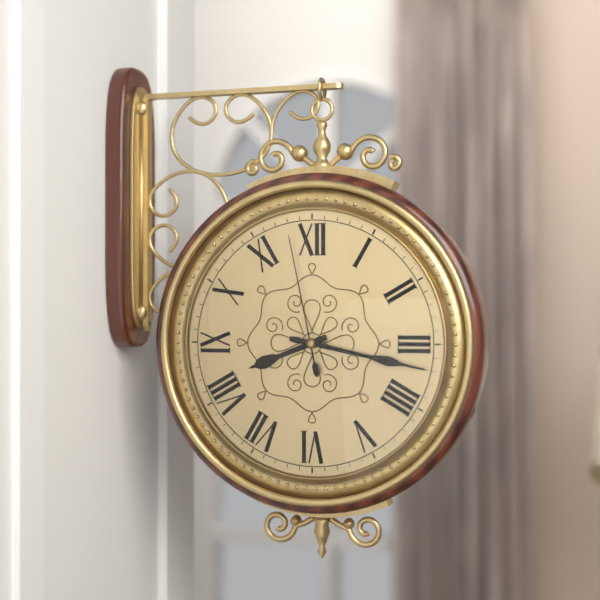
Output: {"hour": 8, "minute": 17, "second": 58}
